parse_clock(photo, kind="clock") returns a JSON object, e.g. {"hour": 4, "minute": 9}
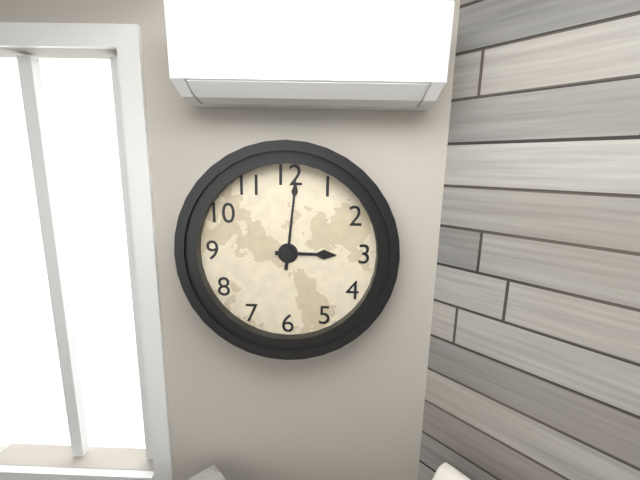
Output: {"hour": 3, "minute": 1}
